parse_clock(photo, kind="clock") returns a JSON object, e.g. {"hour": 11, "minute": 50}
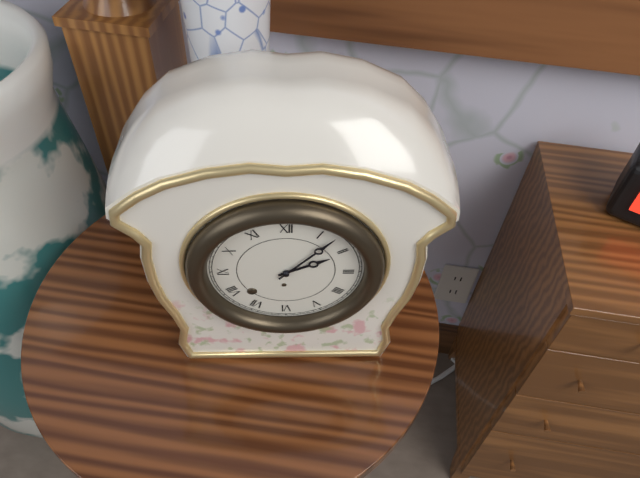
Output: {"hour": 2, "minute": 7}
